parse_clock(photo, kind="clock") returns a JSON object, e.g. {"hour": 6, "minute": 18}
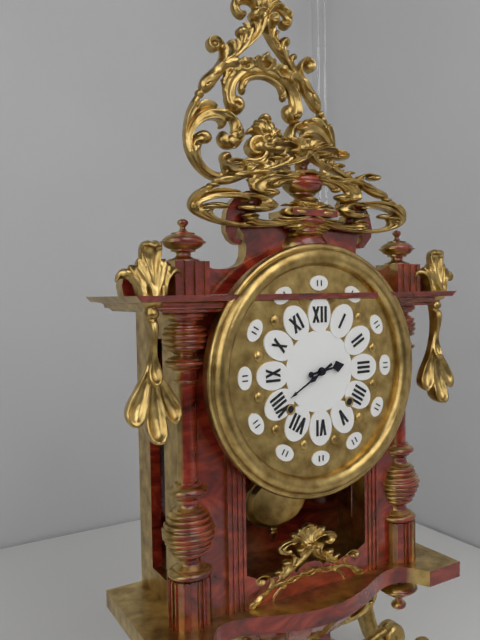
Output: {"hour": 2, "minute": 40}
